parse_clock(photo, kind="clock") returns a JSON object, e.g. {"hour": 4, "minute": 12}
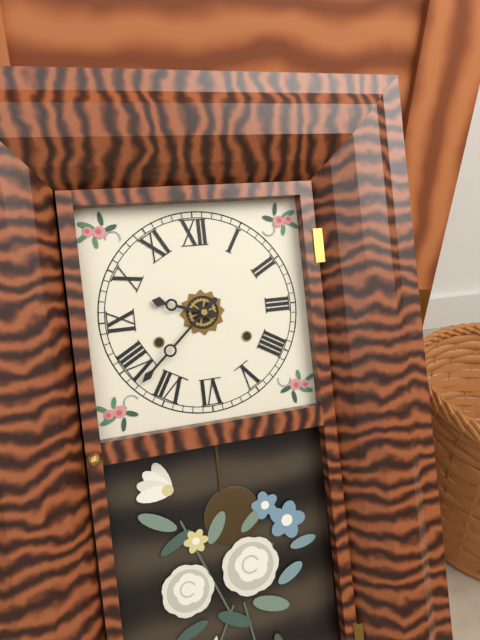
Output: {"hour": 9, "minute": 38}
